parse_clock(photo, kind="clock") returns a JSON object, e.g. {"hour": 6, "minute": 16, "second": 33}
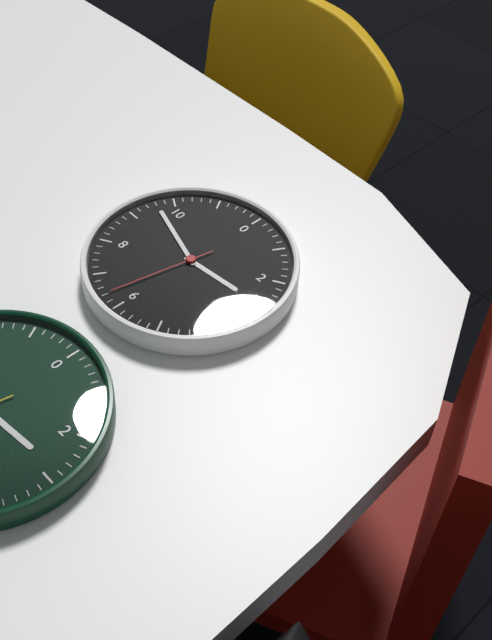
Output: {"hour": 2, "minute": 48, "second": 32}
